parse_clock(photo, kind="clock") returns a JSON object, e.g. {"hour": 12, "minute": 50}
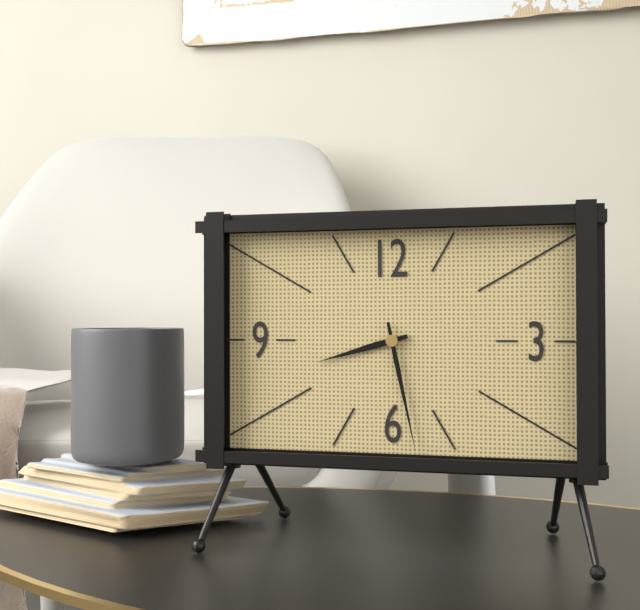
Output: {"hour": 8, "minute": 28}
